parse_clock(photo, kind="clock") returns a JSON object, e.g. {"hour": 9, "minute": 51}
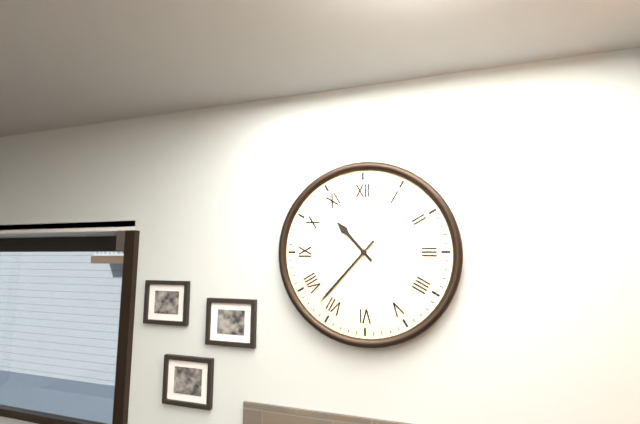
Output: {"hour": 10, "minute": 37}
